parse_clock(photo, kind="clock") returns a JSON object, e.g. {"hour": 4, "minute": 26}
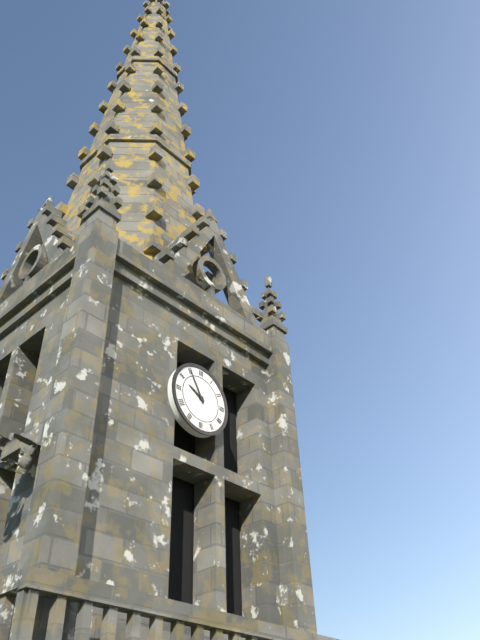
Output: {"hour": 9, "minute": 55}
